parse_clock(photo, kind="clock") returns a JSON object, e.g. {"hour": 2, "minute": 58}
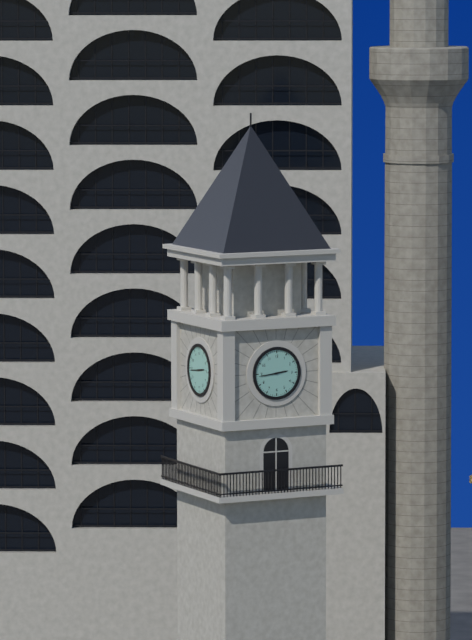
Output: {"hour": 2, "minute": 44}
